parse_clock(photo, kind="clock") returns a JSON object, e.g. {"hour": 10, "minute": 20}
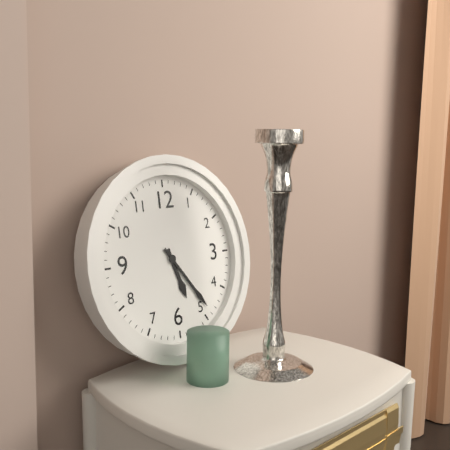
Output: {"hour": 5, "minute": 24}
